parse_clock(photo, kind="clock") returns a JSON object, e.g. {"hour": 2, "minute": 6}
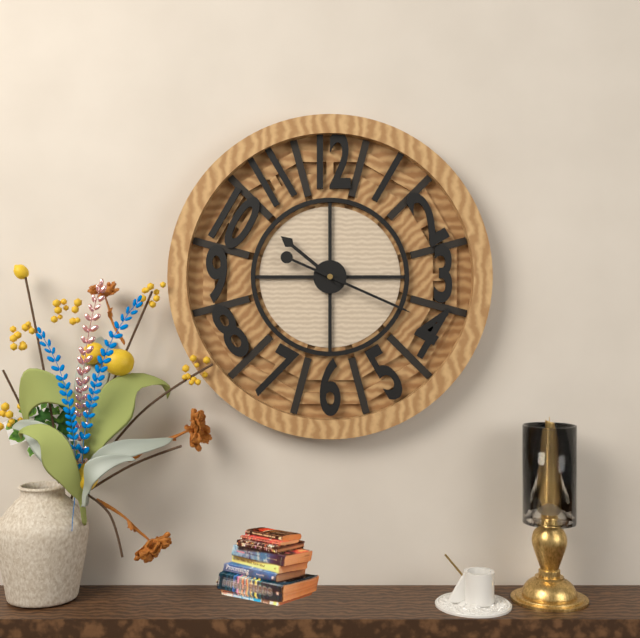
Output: {"hour": 10, "minute": 19}
